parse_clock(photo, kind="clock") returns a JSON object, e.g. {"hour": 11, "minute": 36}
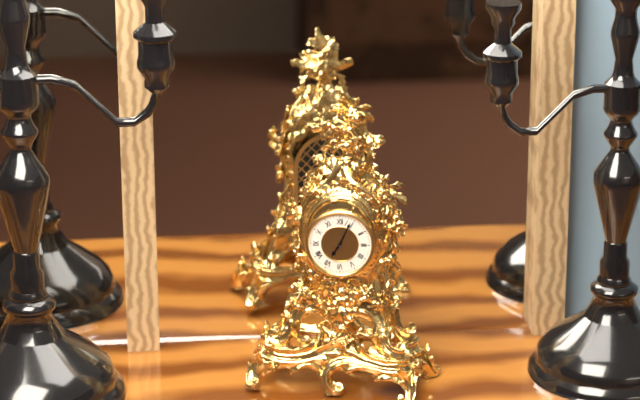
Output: {"hour": 7, "minute": 4}
